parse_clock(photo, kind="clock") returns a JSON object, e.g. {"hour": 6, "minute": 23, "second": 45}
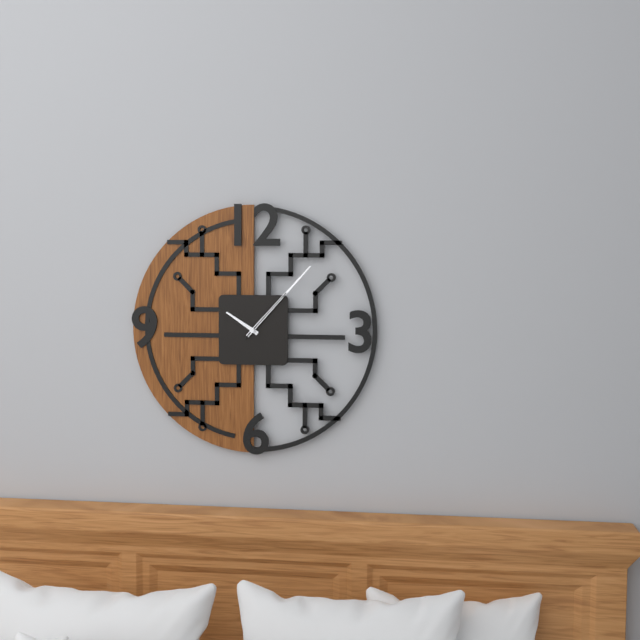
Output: {"hour": 10, "minute": 7, "second": 7}
